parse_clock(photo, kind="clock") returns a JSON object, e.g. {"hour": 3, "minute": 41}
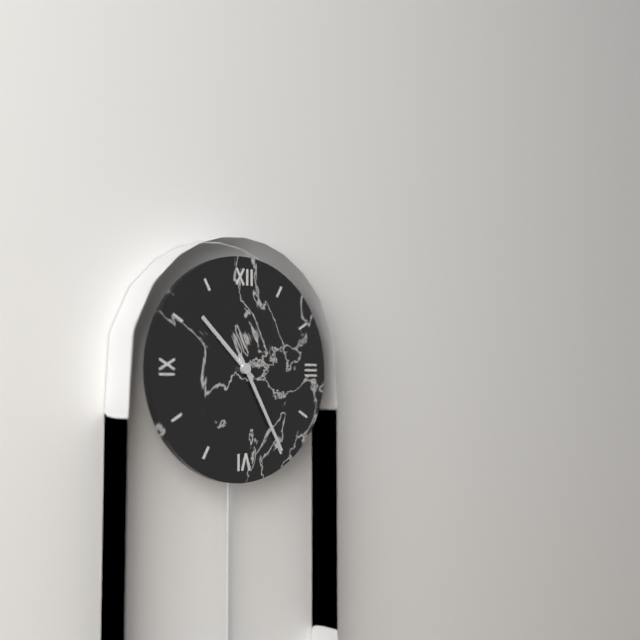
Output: {"hour": 10, "minute": 25}
